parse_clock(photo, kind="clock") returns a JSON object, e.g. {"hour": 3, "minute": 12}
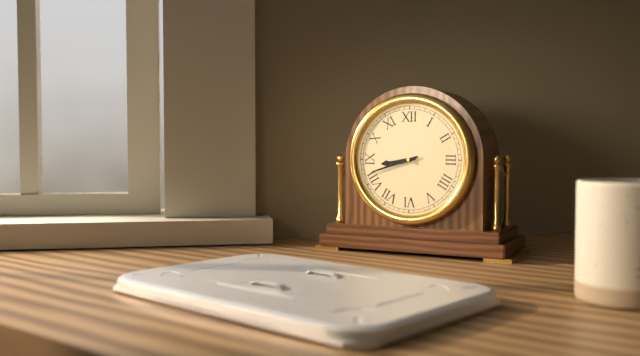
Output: {"hour": 8, "minute": 42}
